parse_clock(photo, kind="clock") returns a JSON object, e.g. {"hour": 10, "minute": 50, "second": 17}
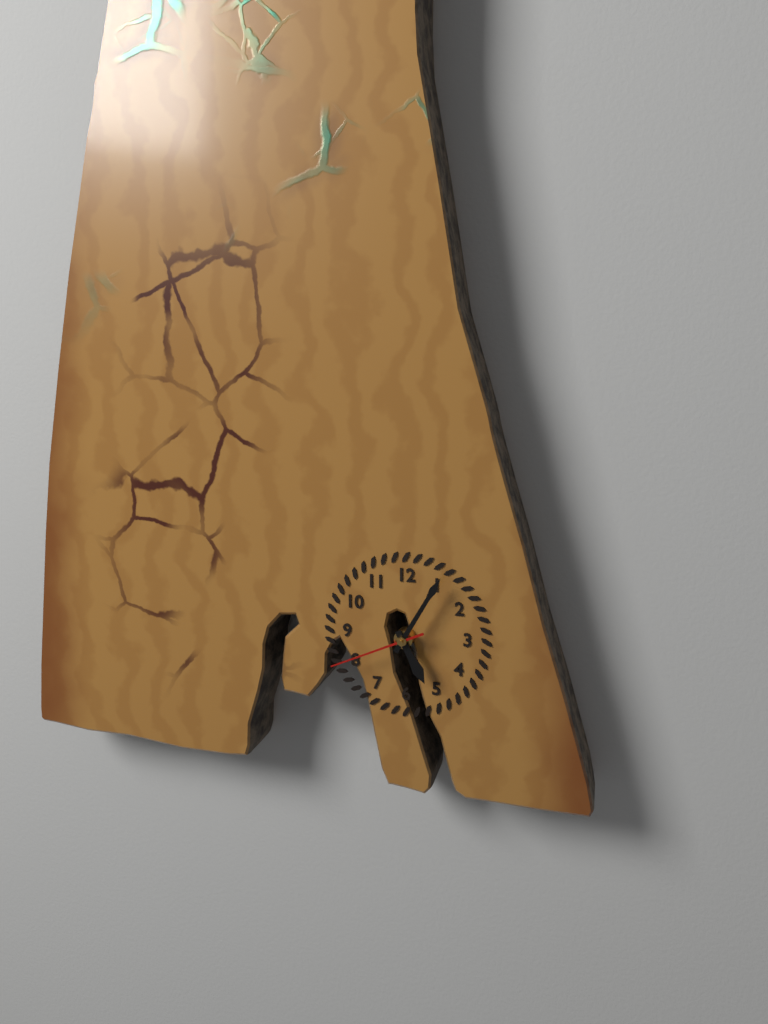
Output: {"hour": 5, "minute": 5, "second": 41}
